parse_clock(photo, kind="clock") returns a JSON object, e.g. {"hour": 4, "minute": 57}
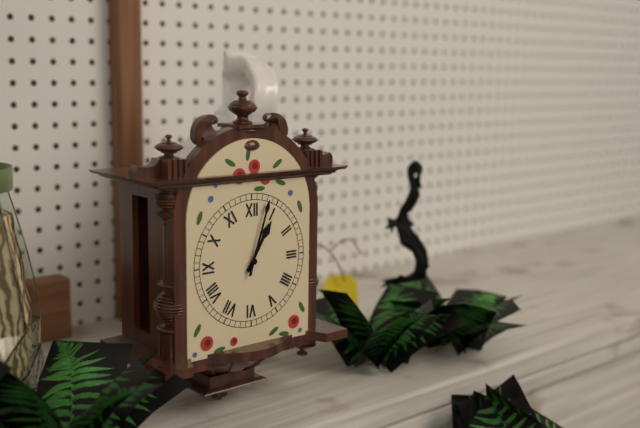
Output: {"hour": 1, "minute": 3}
